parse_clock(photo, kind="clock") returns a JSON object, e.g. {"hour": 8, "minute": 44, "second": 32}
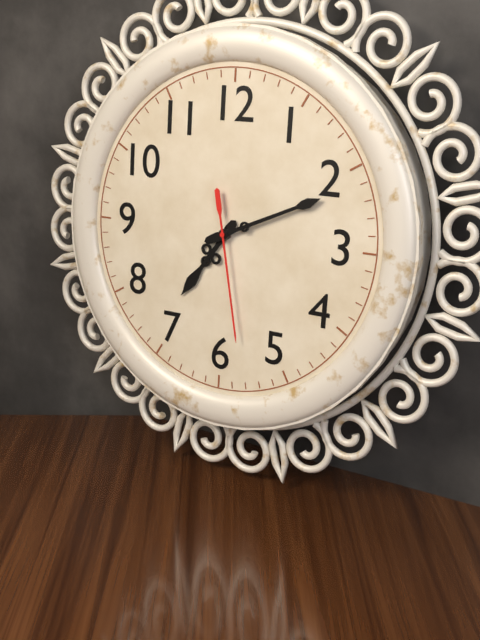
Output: {"hour": 7, "minute": 11, "second": 28}
